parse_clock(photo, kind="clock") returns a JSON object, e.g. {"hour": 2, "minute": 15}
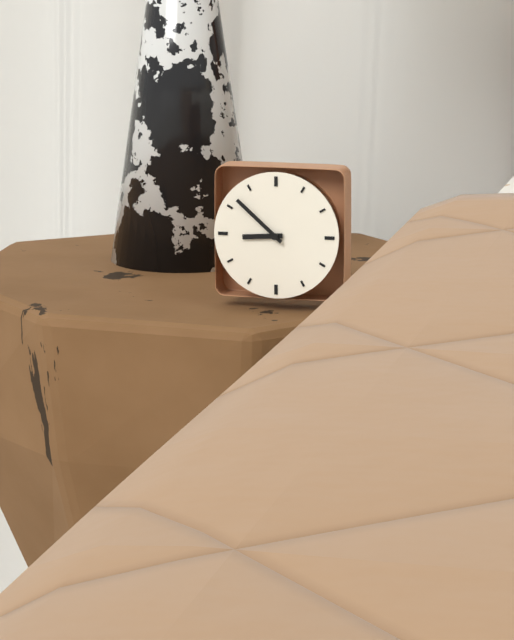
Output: {"hour": 8, "minute": 52}
